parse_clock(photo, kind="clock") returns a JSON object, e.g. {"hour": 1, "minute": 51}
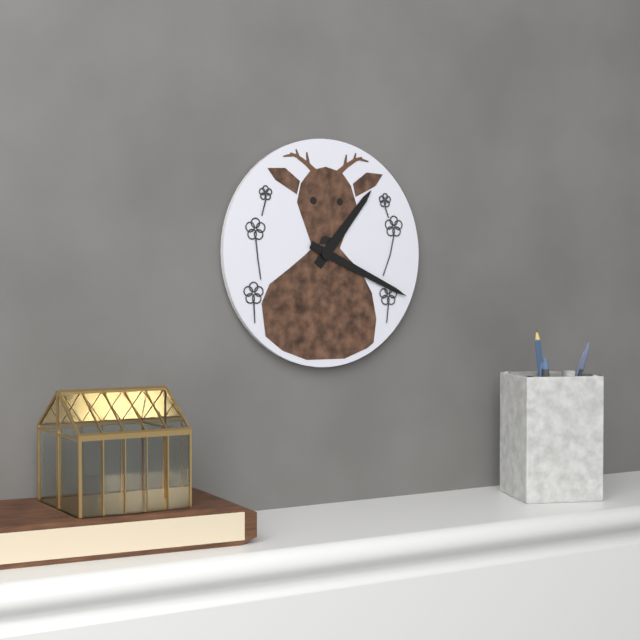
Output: {"hour": 1, "minute": 19}
